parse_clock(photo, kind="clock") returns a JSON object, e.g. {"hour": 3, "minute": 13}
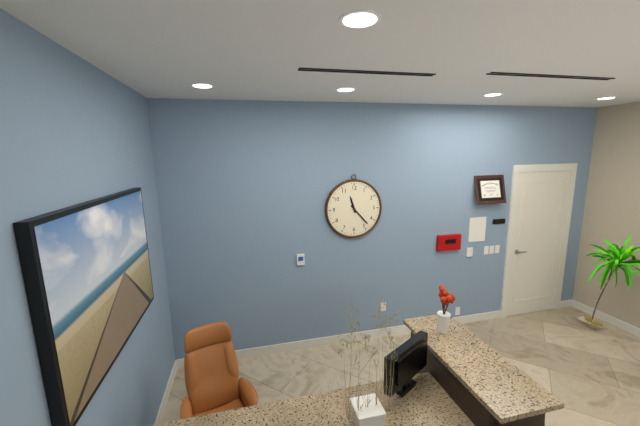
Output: {"hour": 11, "minute": 23}
